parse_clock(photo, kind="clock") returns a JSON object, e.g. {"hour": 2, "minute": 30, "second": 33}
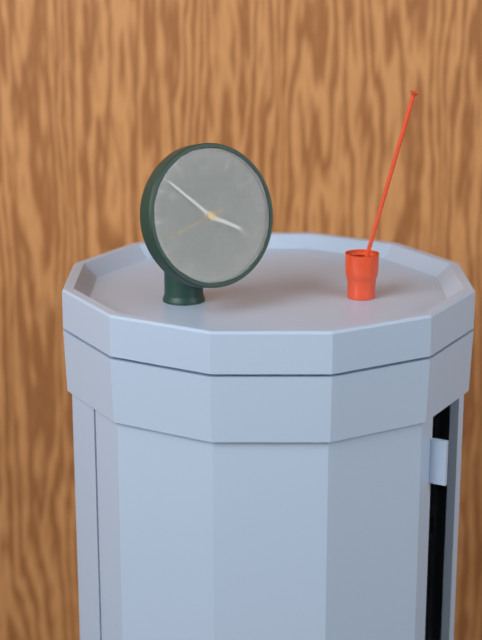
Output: {"hour": 3, "minute": 52, "second": 42}
